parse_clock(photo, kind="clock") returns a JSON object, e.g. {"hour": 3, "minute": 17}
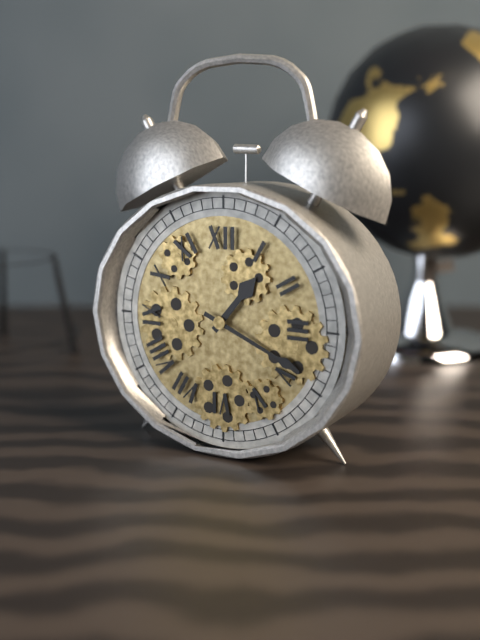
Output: {"hour": 1, "minute": 19}
